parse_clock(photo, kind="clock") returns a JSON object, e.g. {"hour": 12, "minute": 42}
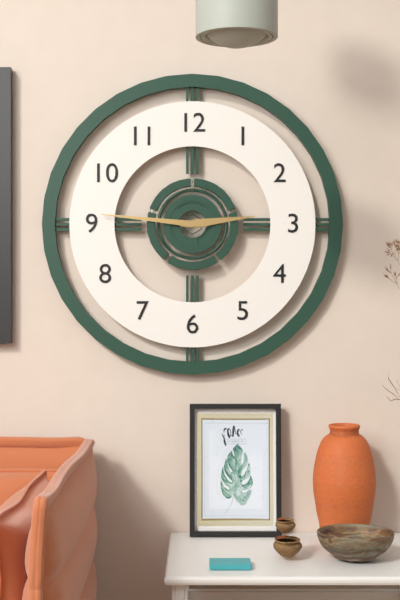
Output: {"hour": 2, "minute": 46}
